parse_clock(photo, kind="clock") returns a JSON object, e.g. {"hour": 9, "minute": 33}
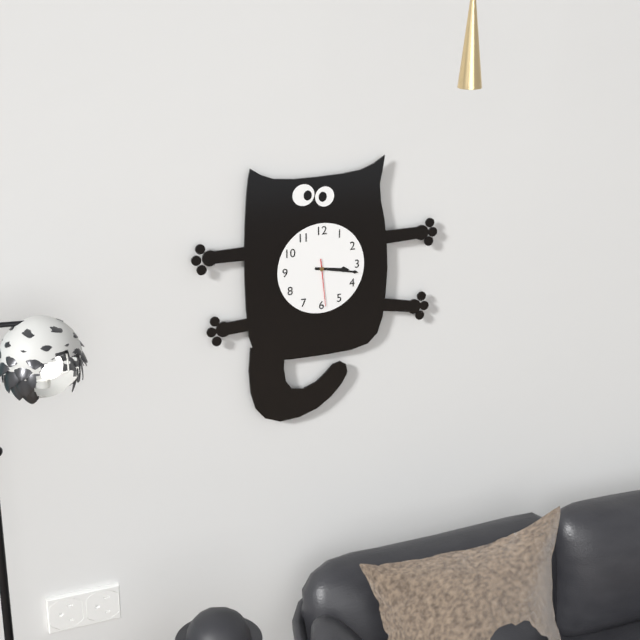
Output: {"hour": 3, "minute": 17}
